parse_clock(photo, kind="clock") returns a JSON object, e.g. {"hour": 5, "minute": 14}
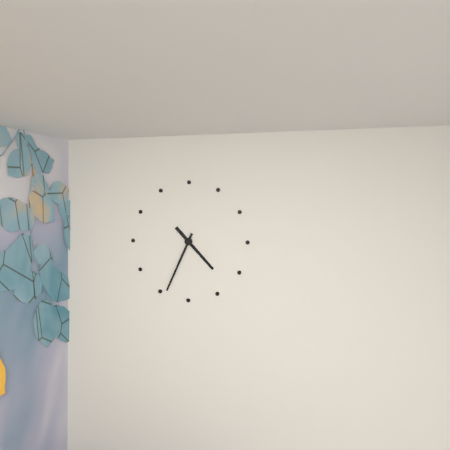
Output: {"hour": 4, "minute": 34}
